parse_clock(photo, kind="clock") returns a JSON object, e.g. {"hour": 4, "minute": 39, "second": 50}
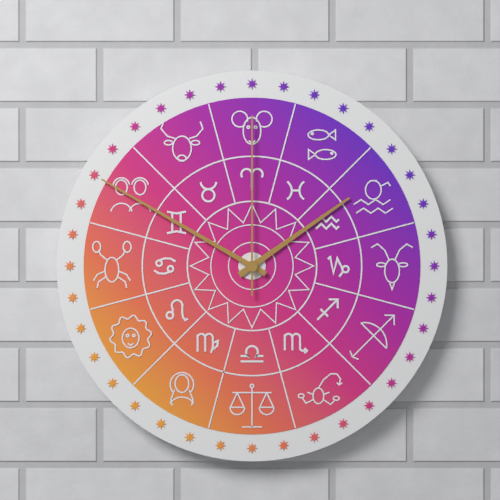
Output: {"hour": 1, "minute": 50, "second": 0}
